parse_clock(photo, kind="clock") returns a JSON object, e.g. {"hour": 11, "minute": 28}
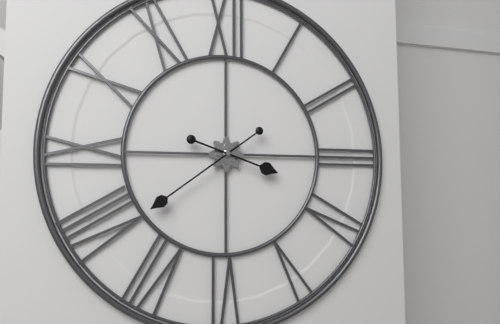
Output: {"hour": 3, "minute": 39}
